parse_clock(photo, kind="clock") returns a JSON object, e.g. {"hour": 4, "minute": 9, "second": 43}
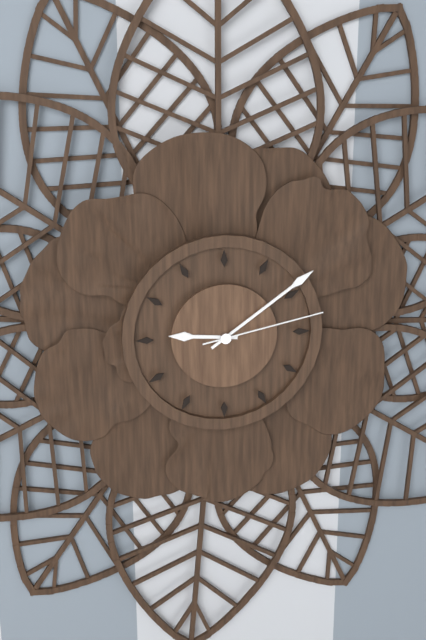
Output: {"hour": 9, "minute": 9, "second": 13}
